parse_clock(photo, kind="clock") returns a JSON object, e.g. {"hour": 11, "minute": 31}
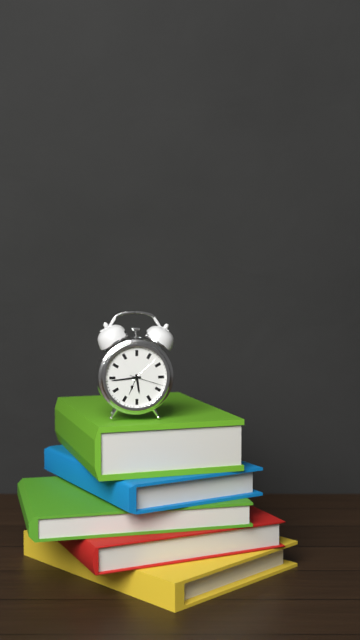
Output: {"hour": 5, "minute": 44}
